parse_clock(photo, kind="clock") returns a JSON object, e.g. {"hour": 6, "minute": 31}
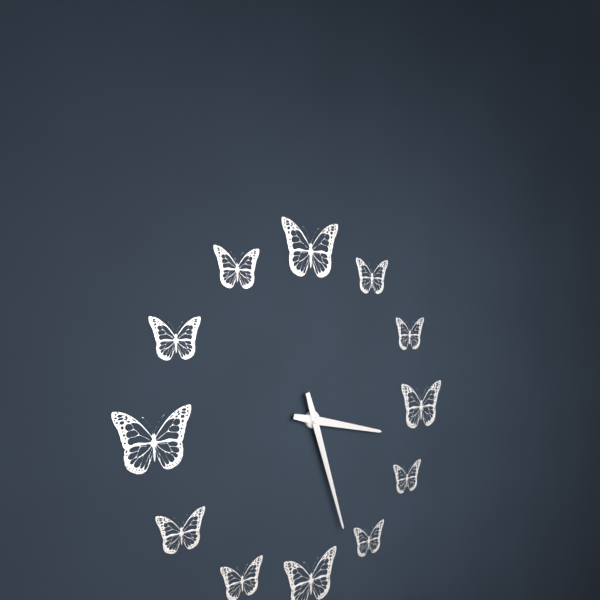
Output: {"hour": 3, "minute": 27}
